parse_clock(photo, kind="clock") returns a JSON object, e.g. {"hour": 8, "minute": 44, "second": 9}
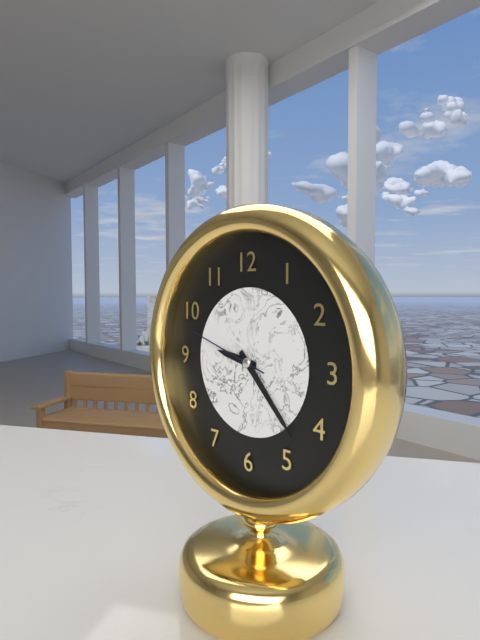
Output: {"hour": 9, "minute": 23, "second": 48}
